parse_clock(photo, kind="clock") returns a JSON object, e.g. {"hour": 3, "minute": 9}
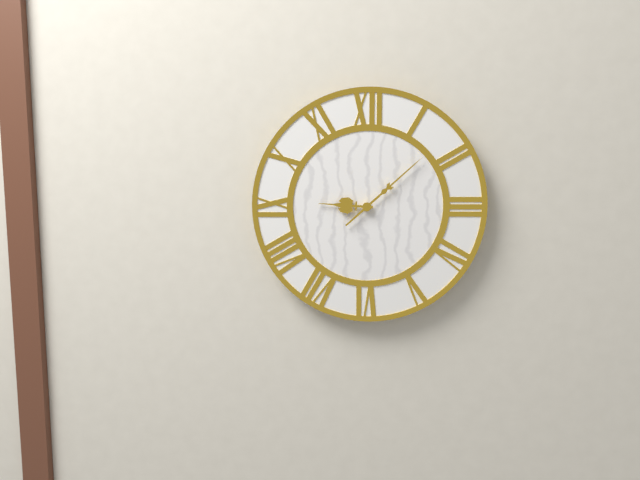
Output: {"hour": 9, "minute": 8}
